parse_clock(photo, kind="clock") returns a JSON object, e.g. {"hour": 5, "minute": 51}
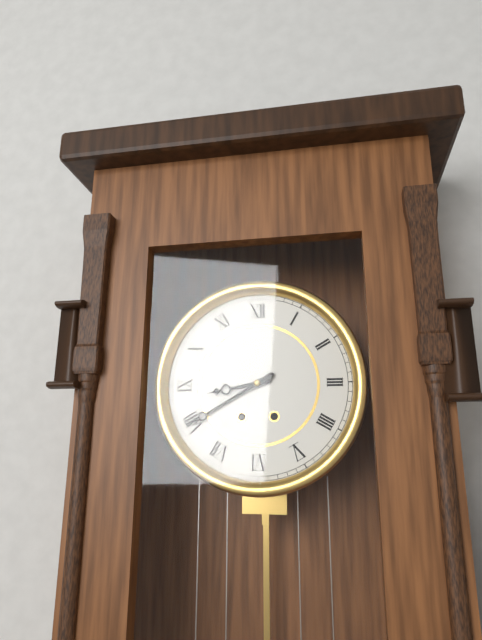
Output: {"hour": 8, "minute": 40}
